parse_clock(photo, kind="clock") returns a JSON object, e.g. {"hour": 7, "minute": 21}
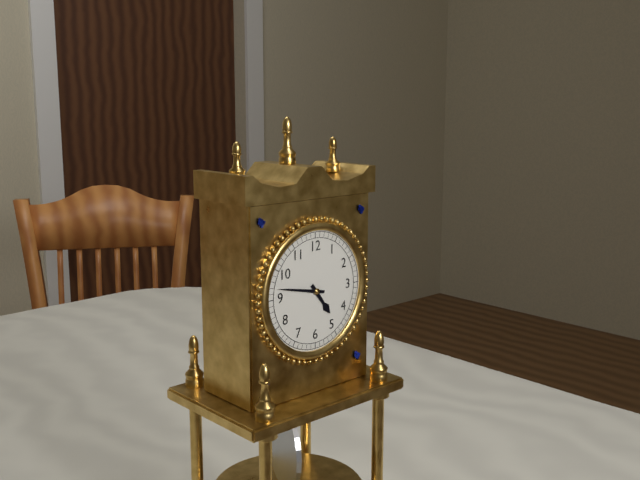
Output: {"hour": 4, "minute": 47}
